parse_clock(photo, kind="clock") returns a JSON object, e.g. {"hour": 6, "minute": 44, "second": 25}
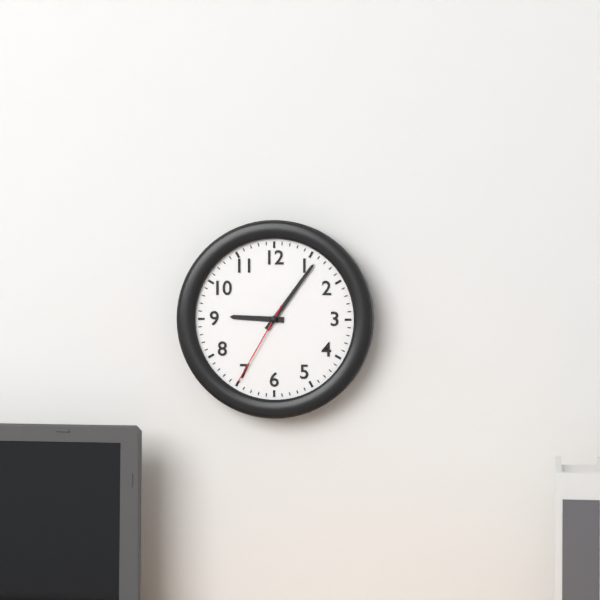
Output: {"hour": 9, "minute": 6, "second": 35}
